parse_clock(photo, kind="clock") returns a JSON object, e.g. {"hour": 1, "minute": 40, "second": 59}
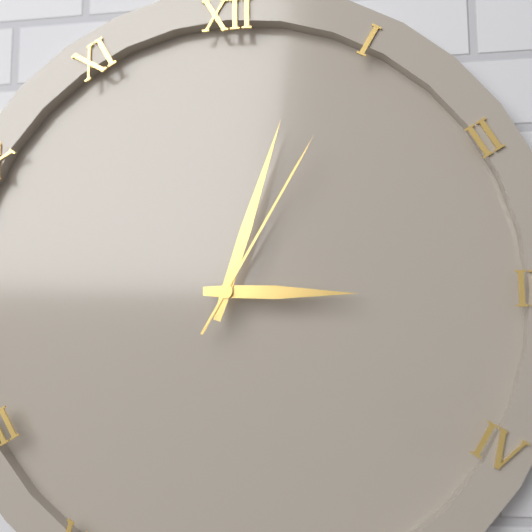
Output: {"hour": 3, "minute": 3, "second": 5}
